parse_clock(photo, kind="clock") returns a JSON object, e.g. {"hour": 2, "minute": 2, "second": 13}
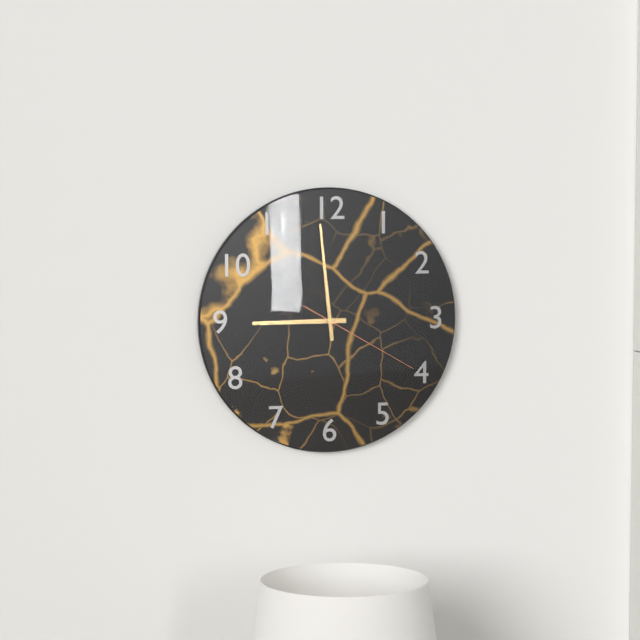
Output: {"hour": 8, "minute": 59, "second": 20}
